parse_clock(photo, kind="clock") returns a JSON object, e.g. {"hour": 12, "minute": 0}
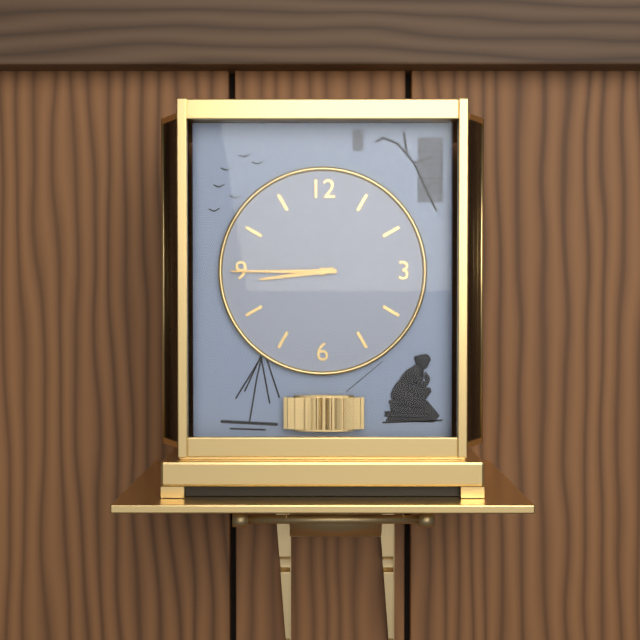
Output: {"hour": 8, "minute": 45}
